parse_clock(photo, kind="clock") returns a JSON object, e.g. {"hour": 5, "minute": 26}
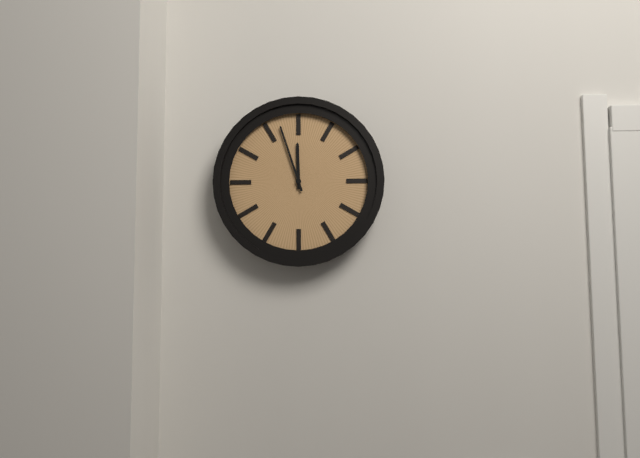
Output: {"hour": 11, "minute": 57}
